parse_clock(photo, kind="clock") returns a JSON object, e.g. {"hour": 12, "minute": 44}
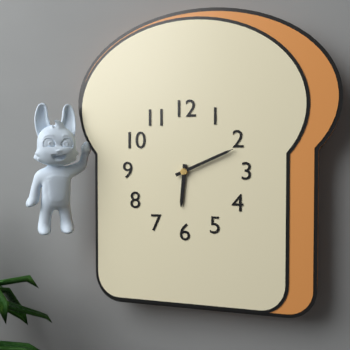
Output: {"hour": 6, "minute": 11}
